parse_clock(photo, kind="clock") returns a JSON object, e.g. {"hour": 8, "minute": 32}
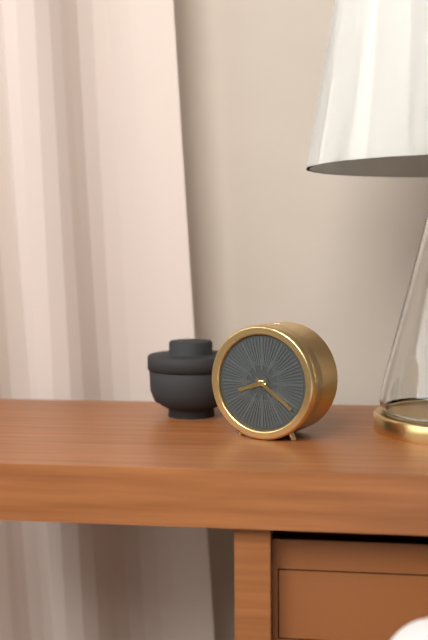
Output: {"hour": 8, "minute": 21}
